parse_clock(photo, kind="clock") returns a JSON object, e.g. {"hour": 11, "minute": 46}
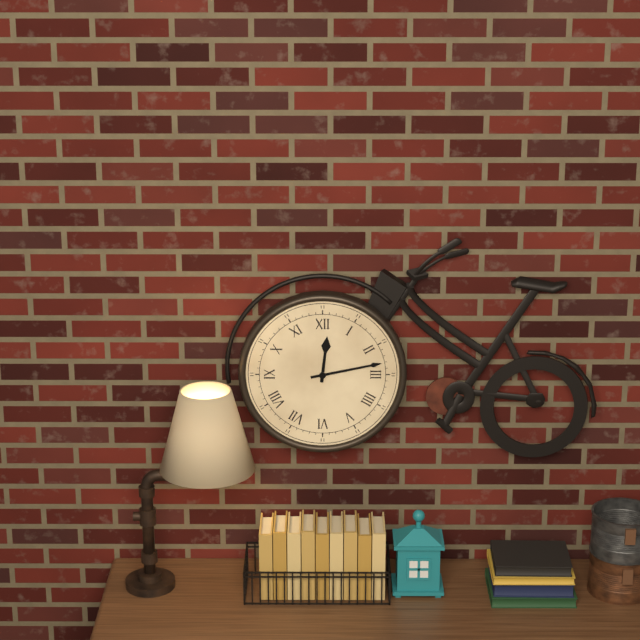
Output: {"hour": 12, "minute": 13}
